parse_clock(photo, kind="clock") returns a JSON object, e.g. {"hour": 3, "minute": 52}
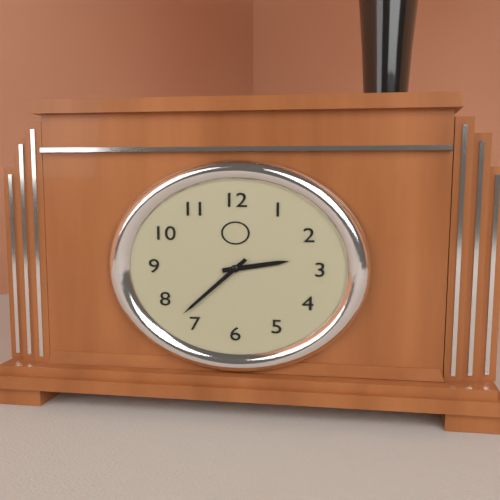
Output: {"hour": 2, "minute": 37}
